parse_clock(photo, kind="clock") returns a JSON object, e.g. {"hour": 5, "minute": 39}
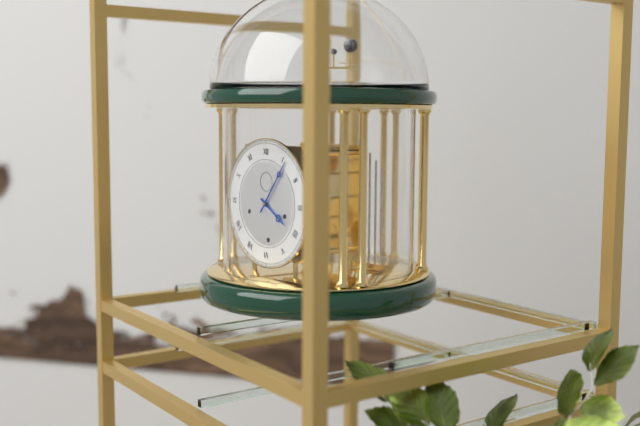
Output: {"hour": 4, "minute": 6}
